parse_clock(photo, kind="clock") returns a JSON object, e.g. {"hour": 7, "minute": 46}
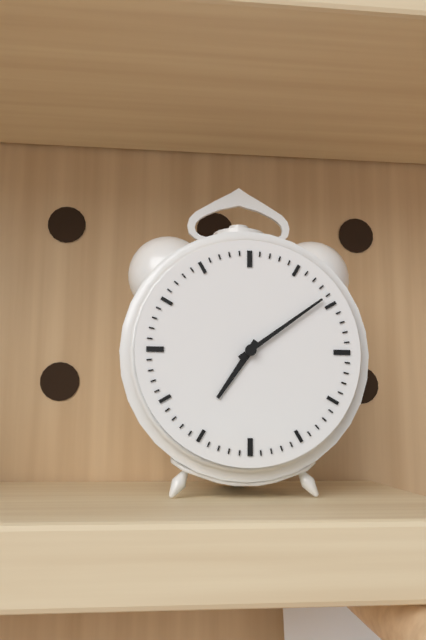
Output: {"hour": 7, "minute": 9}
